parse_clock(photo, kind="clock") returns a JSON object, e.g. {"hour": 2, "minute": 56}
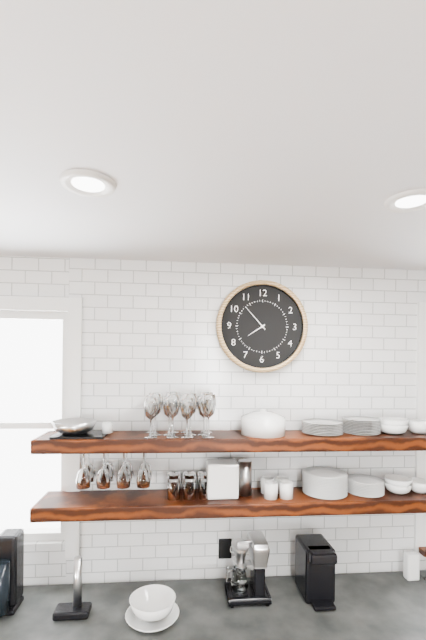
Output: {"hour": 7, "minute": 53}
